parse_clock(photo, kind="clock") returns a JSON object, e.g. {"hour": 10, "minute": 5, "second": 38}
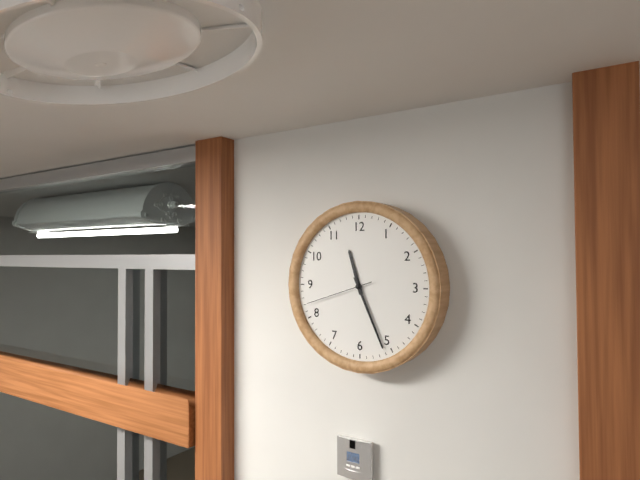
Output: {"hour": 11, "minute": 26, "second": 42}
